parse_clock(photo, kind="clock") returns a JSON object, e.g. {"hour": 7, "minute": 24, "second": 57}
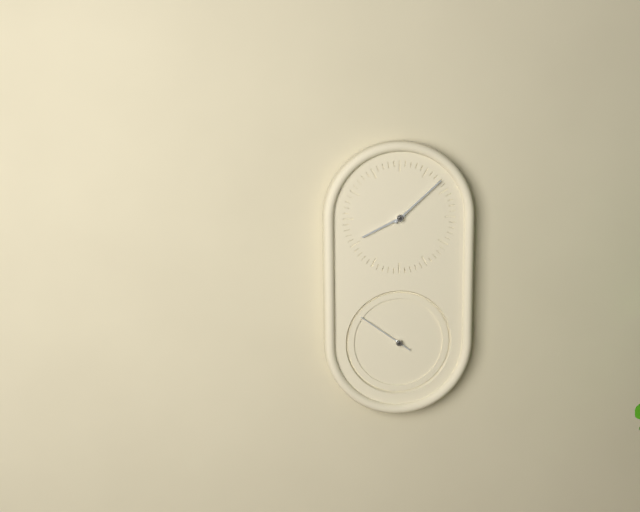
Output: {"hour": 8, "minute": 8, "second": 51}
